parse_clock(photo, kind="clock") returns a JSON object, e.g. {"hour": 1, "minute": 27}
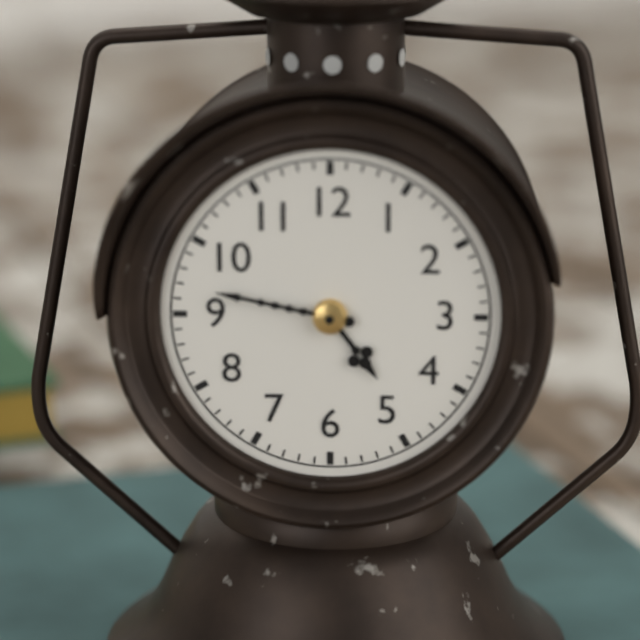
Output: {"hour": 4, "minute": 47}
